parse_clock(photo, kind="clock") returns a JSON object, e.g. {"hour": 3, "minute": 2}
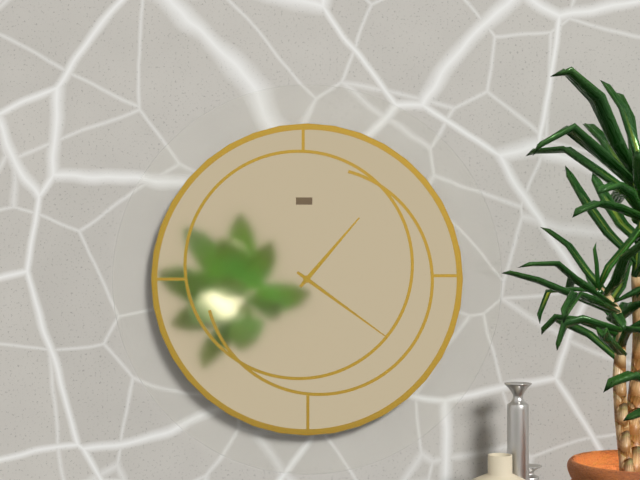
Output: {"hour": 1, "minute": 21}
